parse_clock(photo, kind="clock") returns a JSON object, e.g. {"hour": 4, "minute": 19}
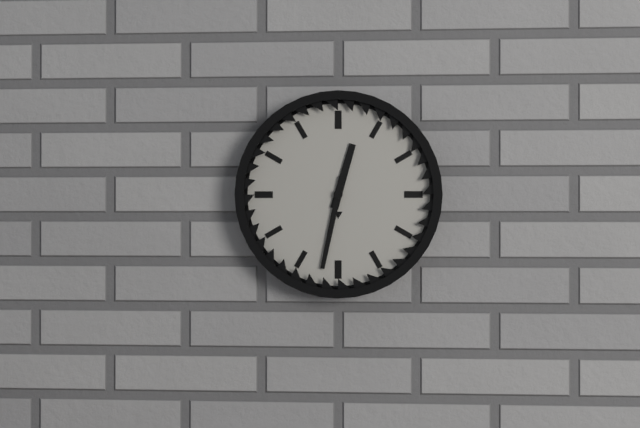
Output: {"hour": 12, "minute": 32}
